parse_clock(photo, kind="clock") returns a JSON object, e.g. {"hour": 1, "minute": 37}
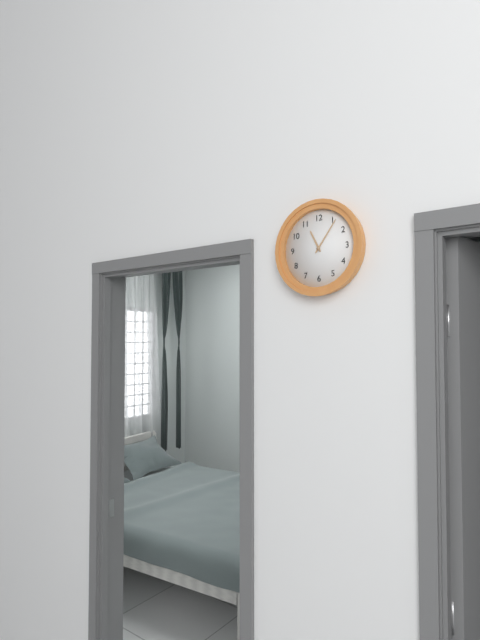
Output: {"hour": 11, "minute": 6}
